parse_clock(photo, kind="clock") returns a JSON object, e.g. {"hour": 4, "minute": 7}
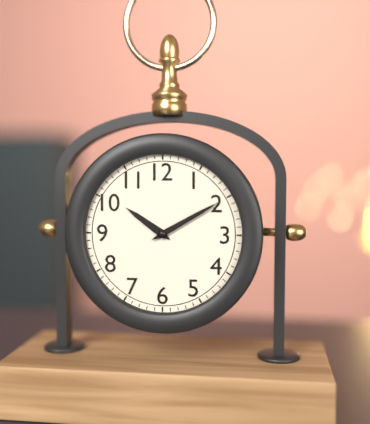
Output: {"hour": 10, "minute": 10}
